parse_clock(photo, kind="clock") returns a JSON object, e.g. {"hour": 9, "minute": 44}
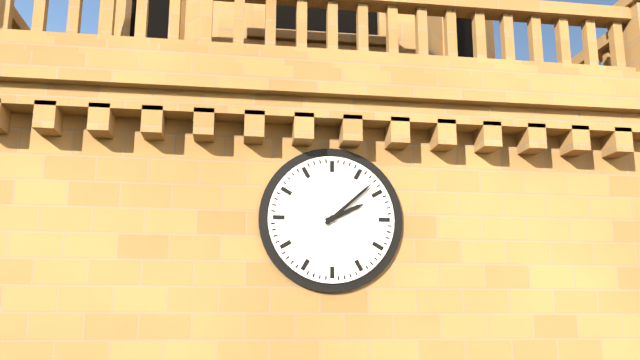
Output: {"hour": 2, "minute": 8}
